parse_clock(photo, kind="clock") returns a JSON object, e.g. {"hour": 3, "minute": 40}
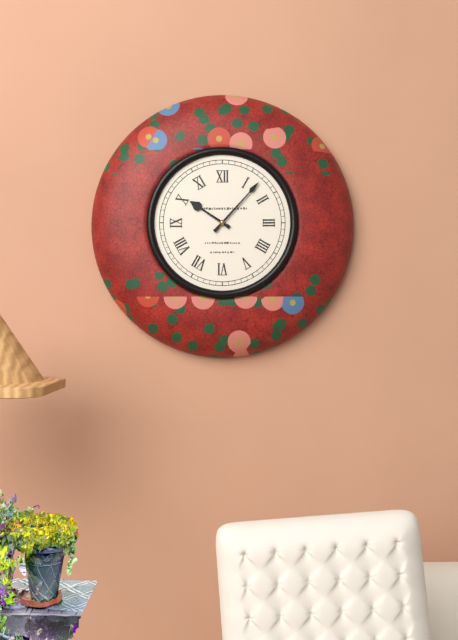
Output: {"hour": 10, "minute": 7}
